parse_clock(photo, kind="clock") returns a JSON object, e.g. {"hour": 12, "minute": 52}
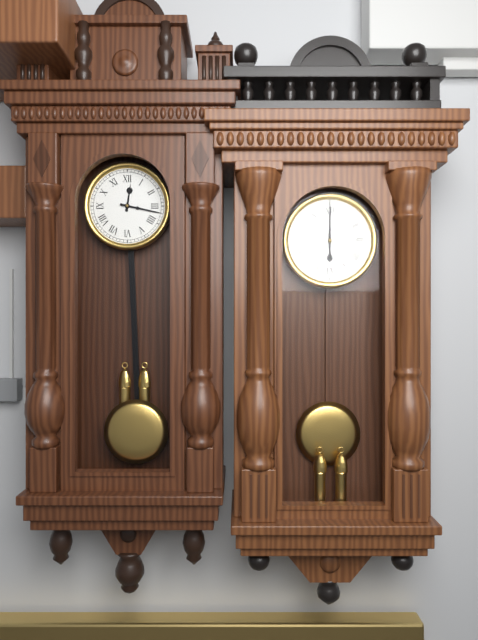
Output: {"hour": 12, "minute": 17}
